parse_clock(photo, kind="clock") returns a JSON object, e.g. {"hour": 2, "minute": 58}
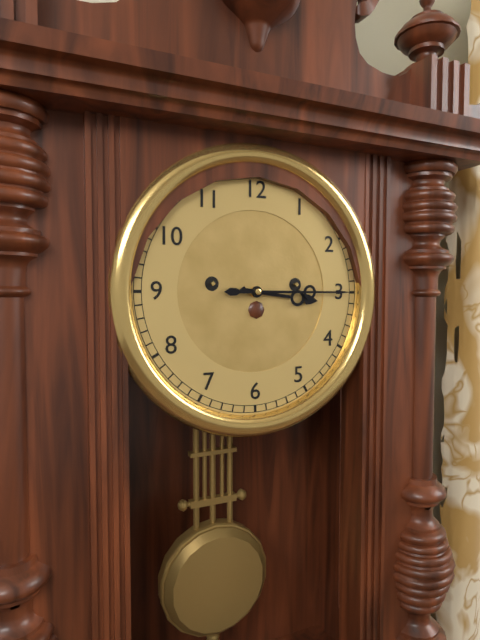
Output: {"hour": 3, "minute": 15}
